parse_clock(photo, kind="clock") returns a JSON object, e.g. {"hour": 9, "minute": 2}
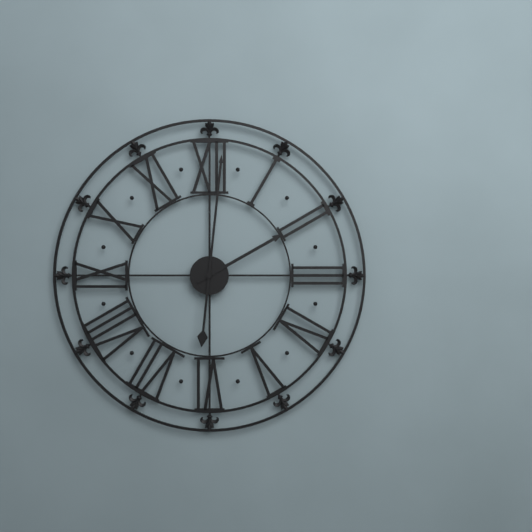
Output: {"hour": 2, "minute": 1}
